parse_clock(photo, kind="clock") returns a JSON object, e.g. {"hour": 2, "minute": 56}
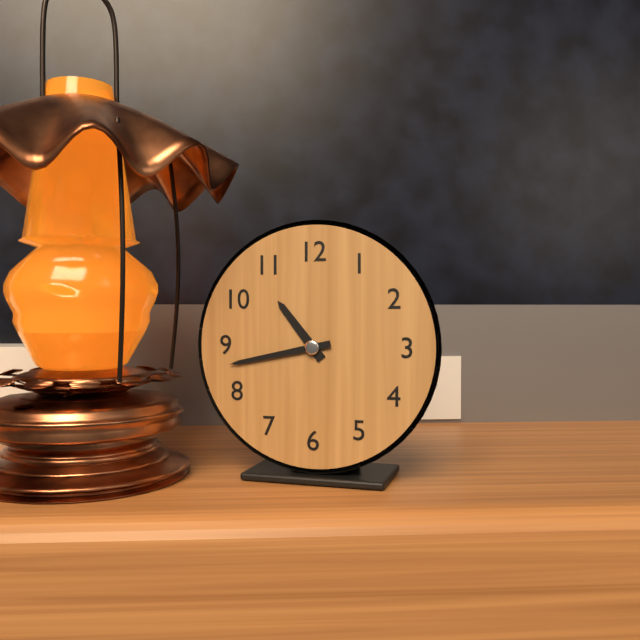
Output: {"hour": 10, "minute": 43}
